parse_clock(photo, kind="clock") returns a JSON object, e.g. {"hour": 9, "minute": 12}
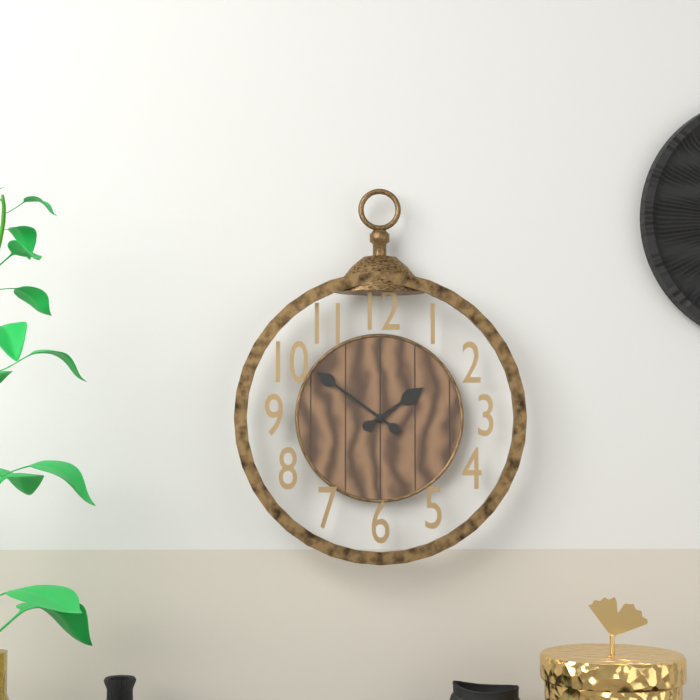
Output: {"hour": 1, "minute": 51}
